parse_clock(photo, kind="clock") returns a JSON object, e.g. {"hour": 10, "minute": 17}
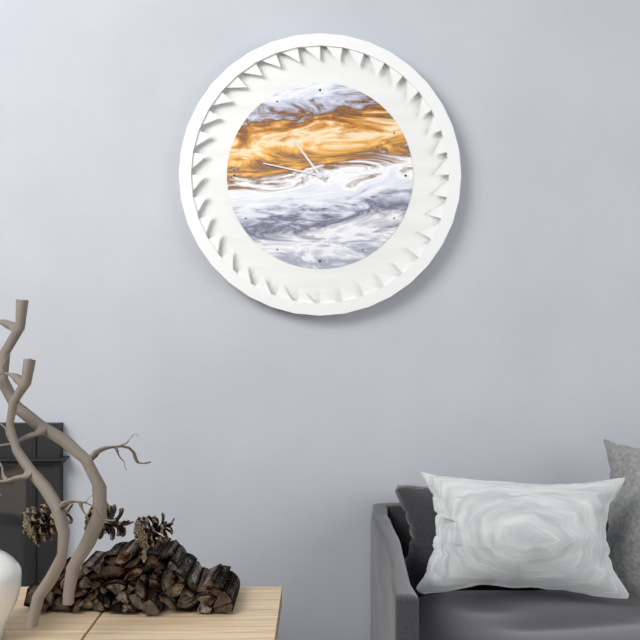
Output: {"hour": 10, "minute": 47}
